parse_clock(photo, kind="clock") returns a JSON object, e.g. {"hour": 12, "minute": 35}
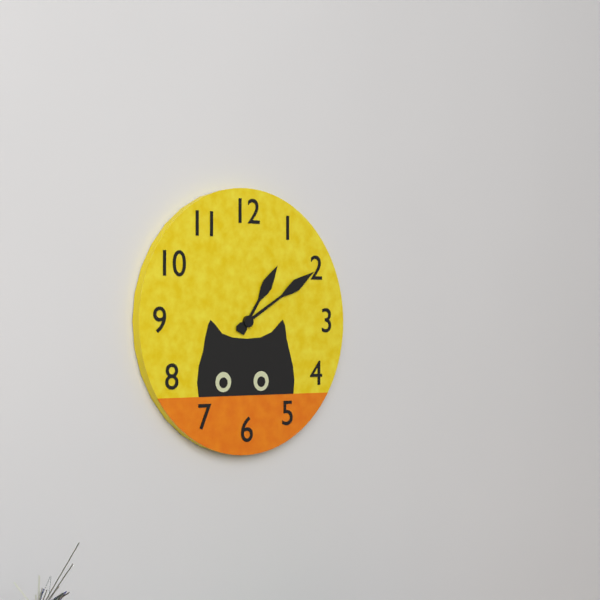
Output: {"hour": 1, "minute": 10}
